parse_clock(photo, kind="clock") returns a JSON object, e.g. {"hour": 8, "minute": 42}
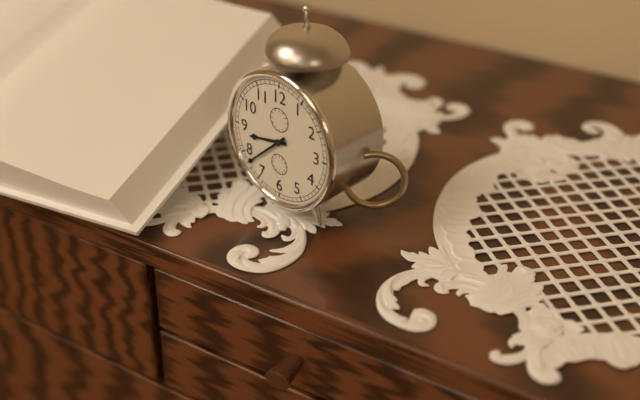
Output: {"hour": 8, "minute": 38}
